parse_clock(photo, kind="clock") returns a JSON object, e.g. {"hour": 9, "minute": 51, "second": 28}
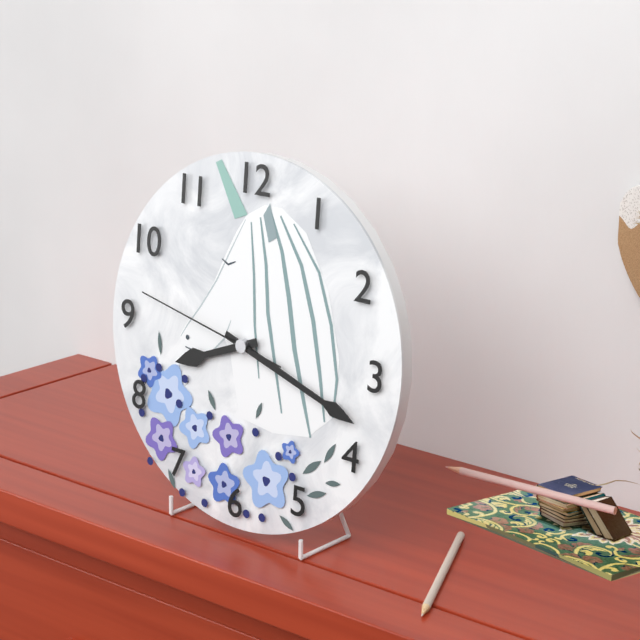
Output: {"hour": 8, "minute": 18, "second": 47}
